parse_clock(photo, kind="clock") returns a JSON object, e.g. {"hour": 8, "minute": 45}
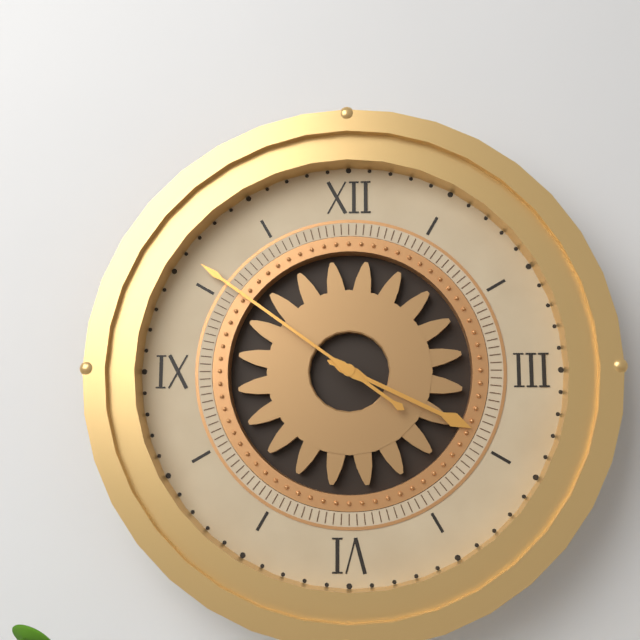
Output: {"hour": 3, "minute": 51}
